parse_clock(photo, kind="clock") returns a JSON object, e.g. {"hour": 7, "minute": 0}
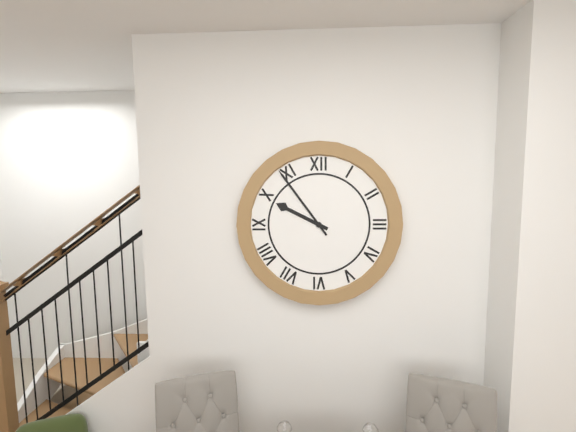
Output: {"hour": 9, "minute": 54}
